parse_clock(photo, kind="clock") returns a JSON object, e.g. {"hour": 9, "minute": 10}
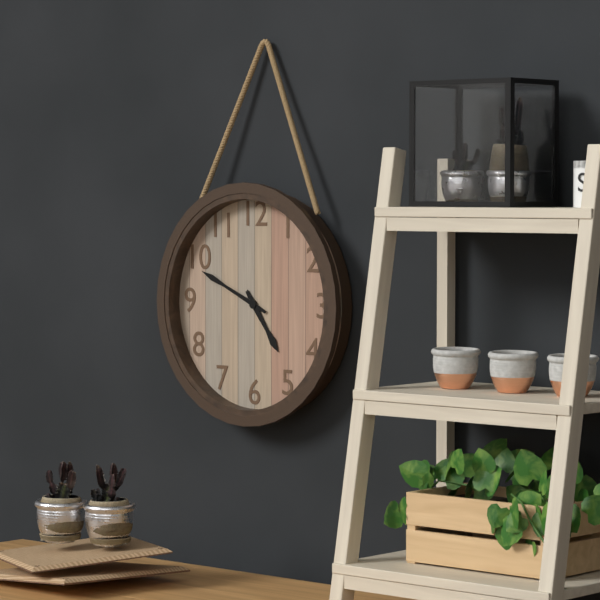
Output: {"hour": 4, "minute": 49}
